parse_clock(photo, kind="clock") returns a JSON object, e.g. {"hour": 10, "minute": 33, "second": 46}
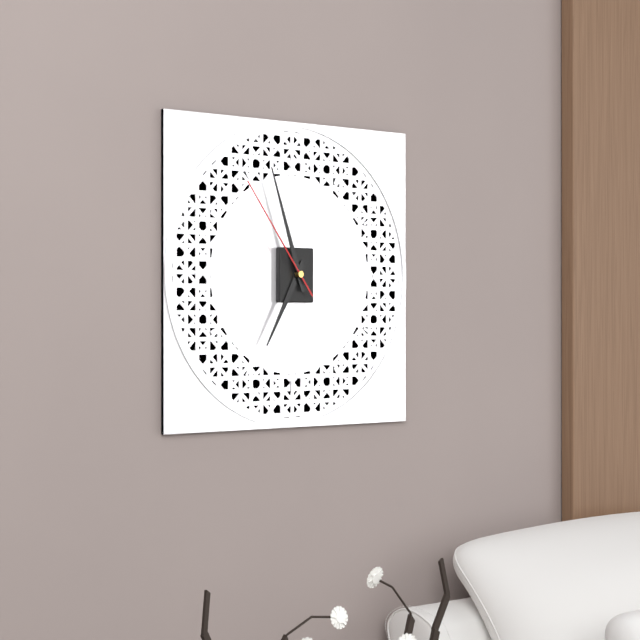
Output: {"hour": 6, "minute": 57, "second": 54}
